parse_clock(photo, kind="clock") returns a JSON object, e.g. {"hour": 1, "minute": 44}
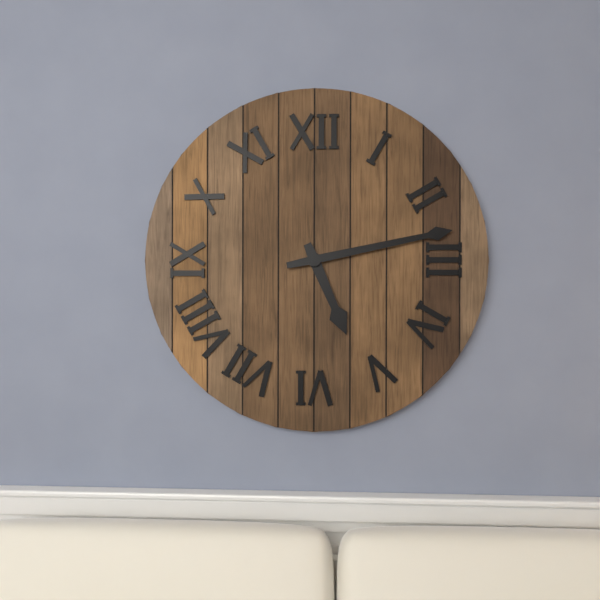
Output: {"hour": 5, "minute": 13}
